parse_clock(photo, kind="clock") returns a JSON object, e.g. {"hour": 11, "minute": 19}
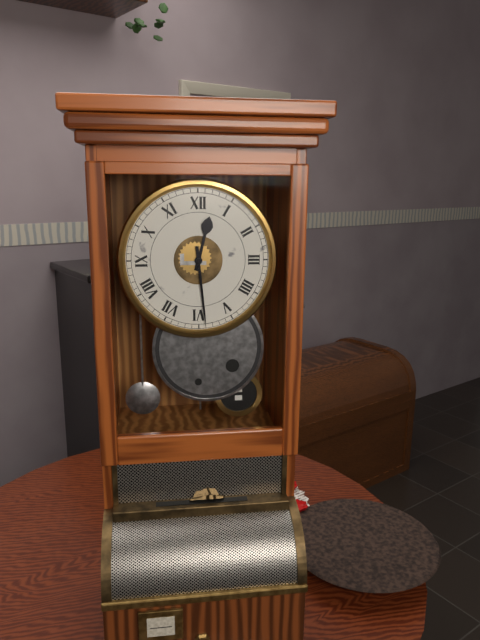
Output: {"hour": 12, "minute": 29}
